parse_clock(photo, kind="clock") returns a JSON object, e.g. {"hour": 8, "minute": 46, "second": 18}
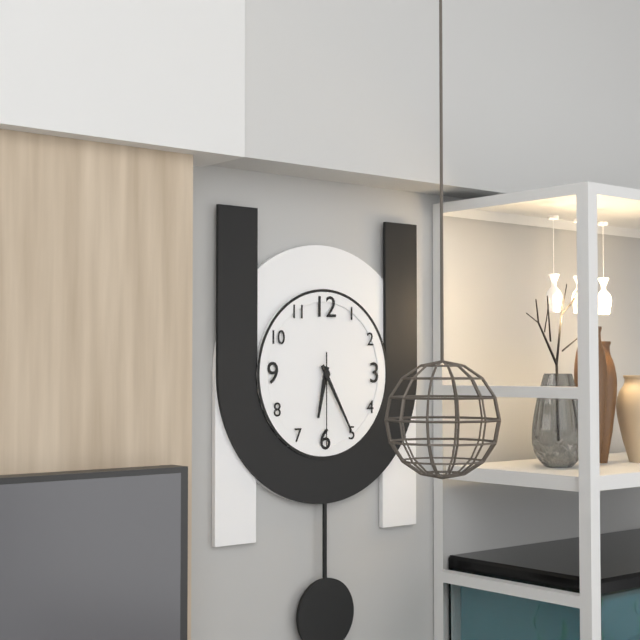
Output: {"hour": 6, "minute": 25, "second": 30}
